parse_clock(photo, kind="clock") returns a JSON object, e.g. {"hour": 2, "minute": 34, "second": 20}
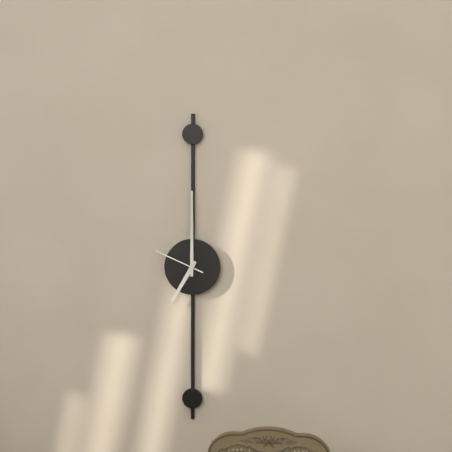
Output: {"hour": 7, "minute": 0, "second": 49}
